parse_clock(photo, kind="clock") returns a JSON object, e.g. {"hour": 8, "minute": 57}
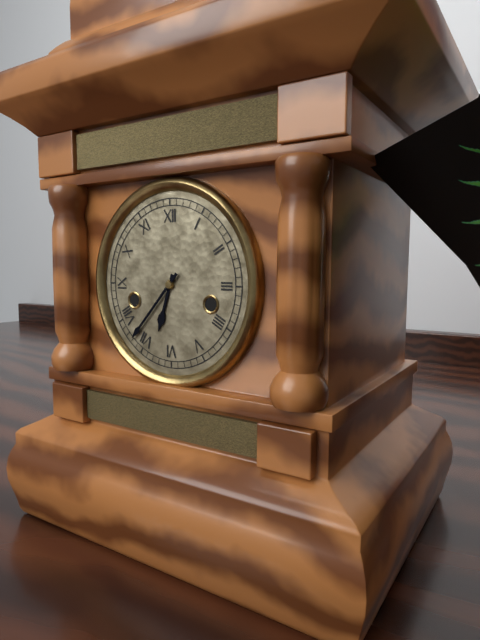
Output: {"hour": 6, "minute": 37}
